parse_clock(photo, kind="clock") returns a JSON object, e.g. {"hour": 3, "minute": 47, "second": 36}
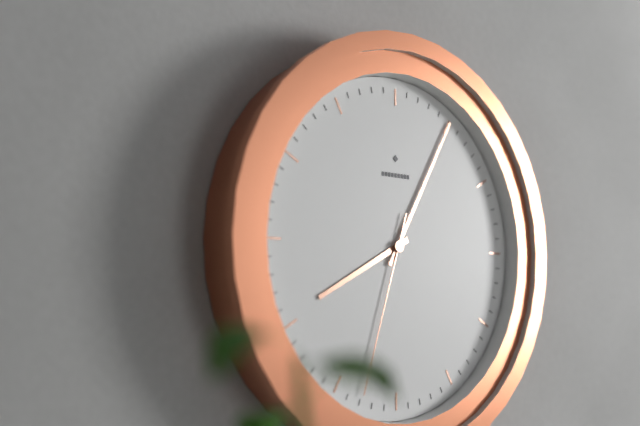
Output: {"hour": 8, "minute": 5, "second": 33}
